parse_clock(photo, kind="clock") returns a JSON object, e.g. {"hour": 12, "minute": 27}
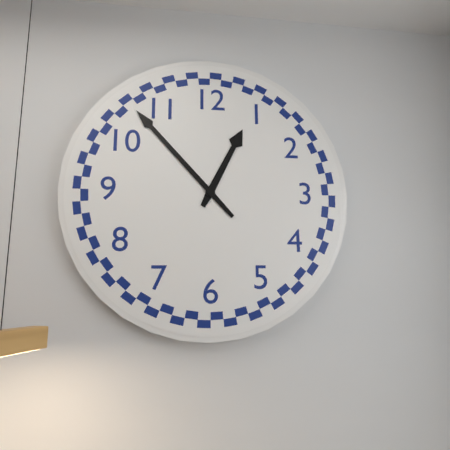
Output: {"hour": 12, "minute": 53}
